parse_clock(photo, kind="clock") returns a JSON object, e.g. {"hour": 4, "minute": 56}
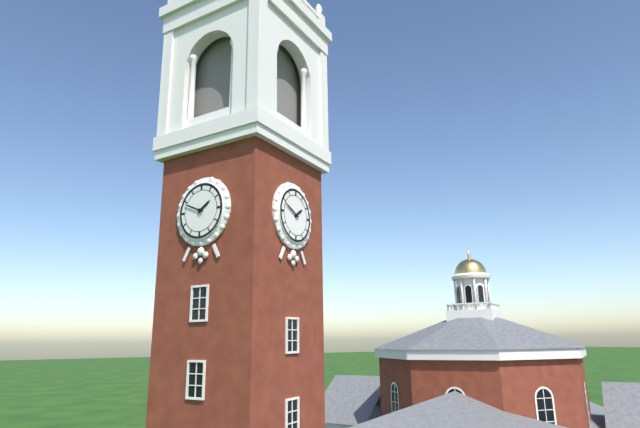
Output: {"hour": 1, "minute": 49}
